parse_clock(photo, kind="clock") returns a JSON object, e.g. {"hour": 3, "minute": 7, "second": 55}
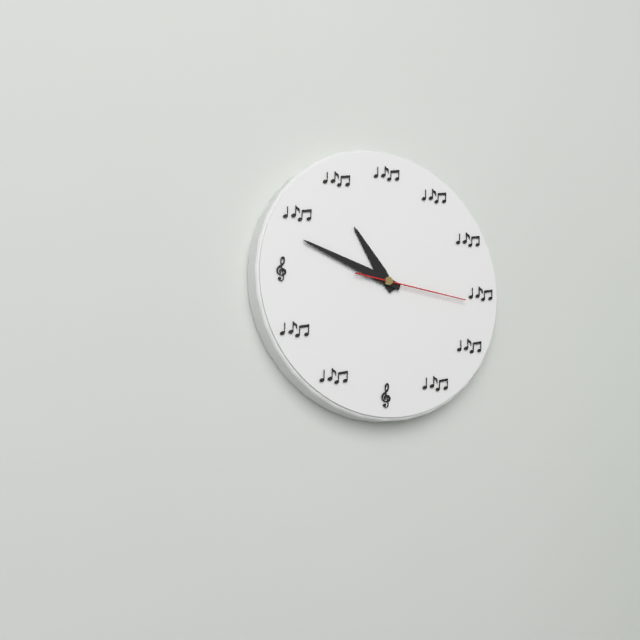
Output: {"hour": 10, "minute": 48, "second": 16}
